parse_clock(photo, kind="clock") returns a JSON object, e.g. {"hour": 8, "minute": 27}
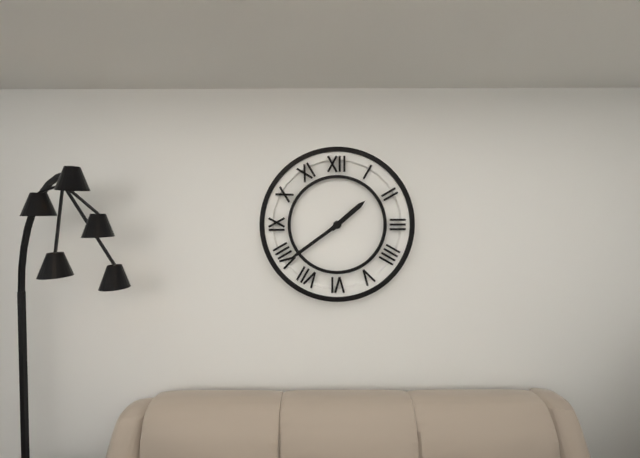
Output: {"hour": 1, "minute": 39}
